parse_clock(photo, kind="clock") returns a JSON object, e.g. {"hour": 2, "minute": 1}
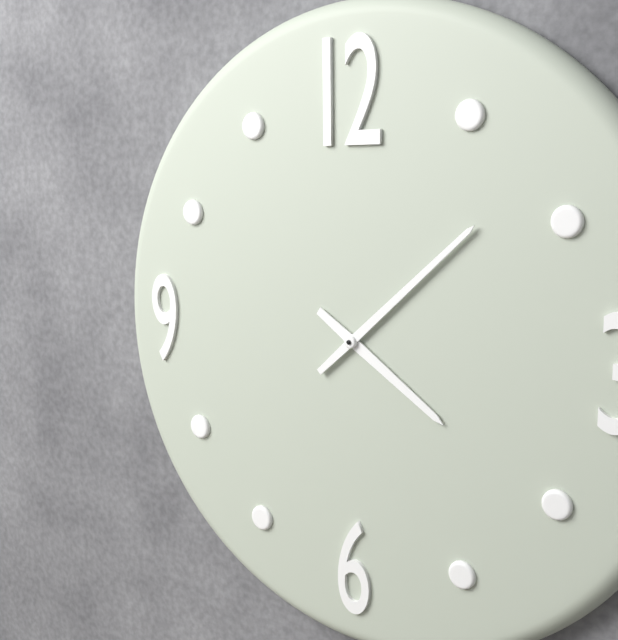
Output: {"hour": 4, "minute": 8}
